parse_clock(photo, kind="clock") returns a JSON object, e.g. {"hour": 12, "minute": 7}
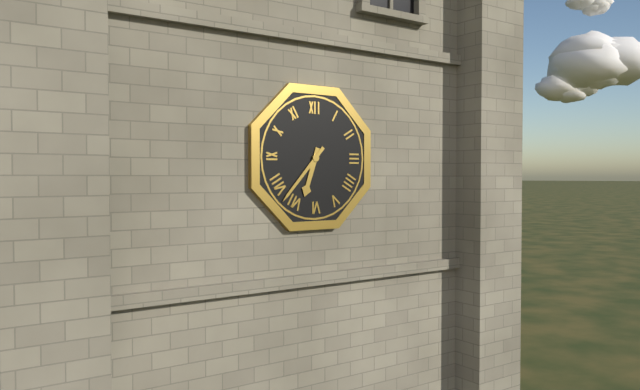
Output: {"hour": 6, "minute": 37}
